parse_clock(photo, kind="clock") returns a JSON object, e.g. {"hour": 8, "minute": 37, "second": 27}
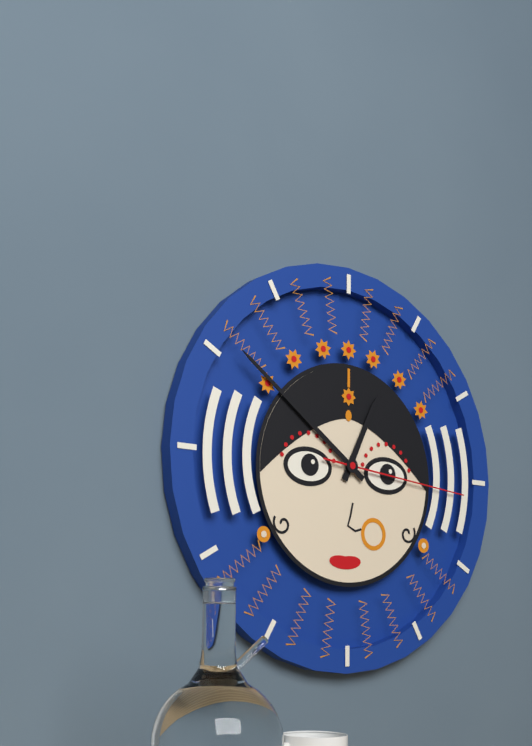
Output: {"hour": 12, "minute": 51, "second": 16}
